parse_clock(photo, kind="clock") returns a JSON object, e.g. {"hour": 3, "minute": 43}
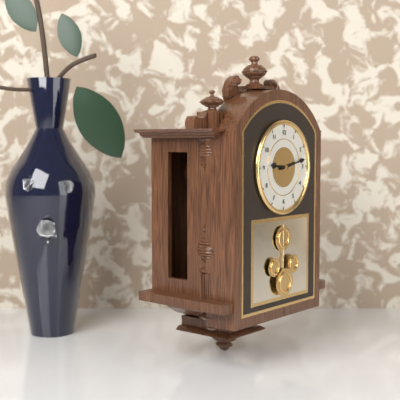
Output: {"hour": 9, "minute": 13}
